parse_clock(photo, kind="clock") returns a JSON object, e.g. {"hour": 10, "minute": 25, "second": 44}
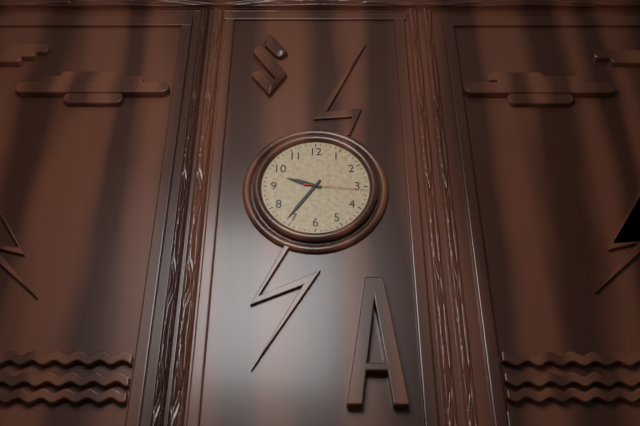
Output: {"hour": 9, "minute": 36, "second": 16}
